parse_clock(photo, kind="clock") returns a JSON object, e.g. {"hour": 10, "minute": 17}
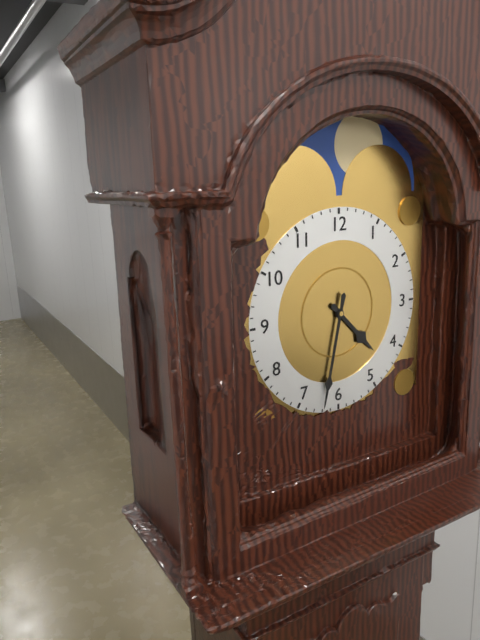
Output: {"hour": 4, "minute": 32}
